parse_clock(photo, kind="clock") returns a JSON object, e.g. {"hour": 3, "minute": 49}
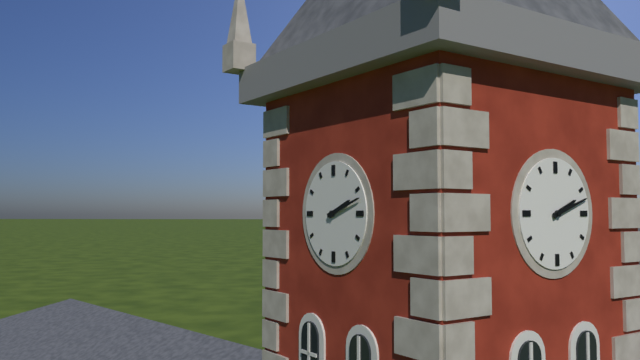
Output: {"hour": 2, "minute": 12}
